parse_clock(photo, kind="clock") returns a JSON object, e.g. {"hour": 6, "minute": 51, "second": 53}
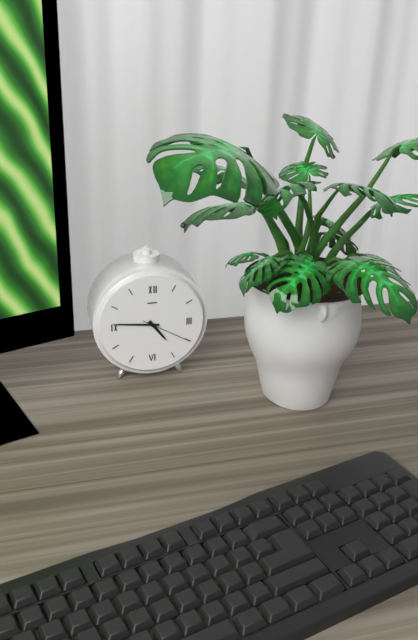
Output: {"hour": 4, "minute": 46, "second": 20}
